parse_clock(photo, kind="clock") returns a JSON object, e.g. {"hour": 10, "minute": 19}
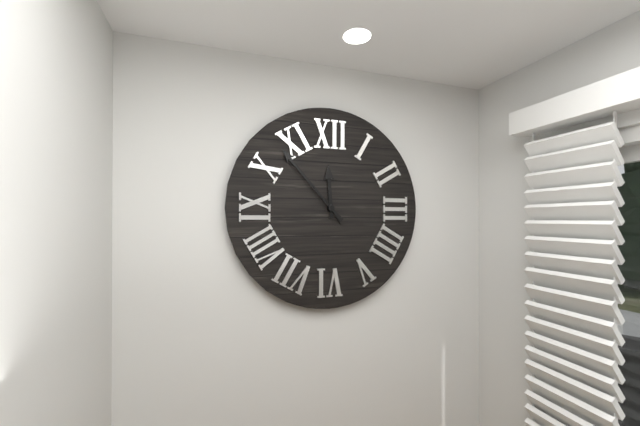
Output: {"hour": 11, "minute": 53}
